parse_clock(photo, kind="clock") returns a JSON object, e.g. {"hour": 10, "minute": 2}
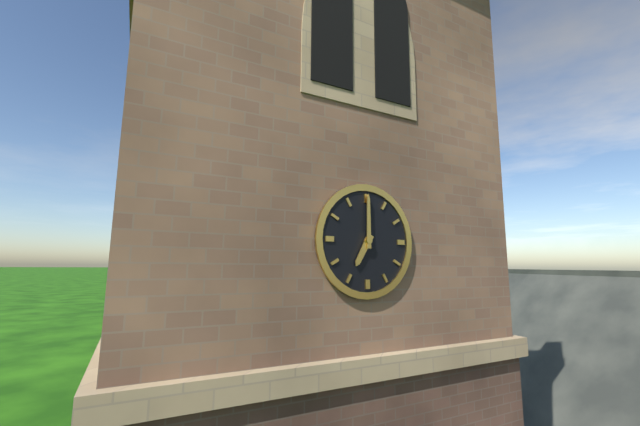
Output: {"hour": 7, "minute": 0}
